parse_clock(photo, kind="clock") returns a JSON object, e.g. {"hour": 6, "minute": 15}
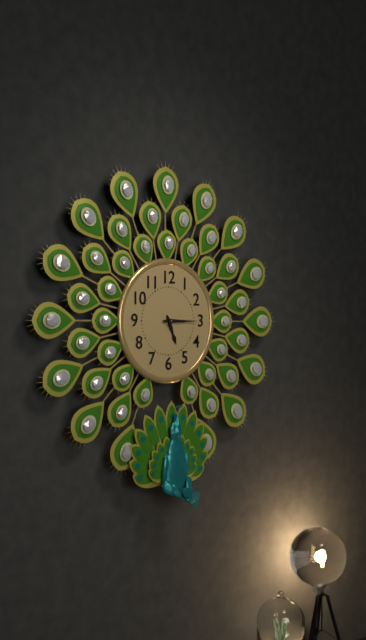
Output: {"hour": 5, "minute": 15}
